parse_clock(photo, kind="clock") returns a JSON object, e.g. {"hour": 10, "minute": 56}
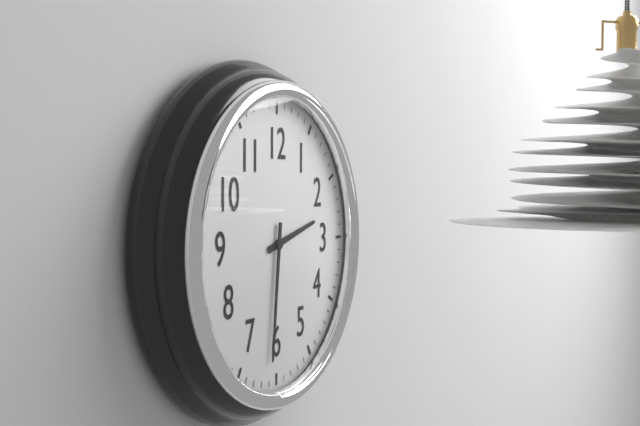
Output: {"hour": 2, "minute": 31}
